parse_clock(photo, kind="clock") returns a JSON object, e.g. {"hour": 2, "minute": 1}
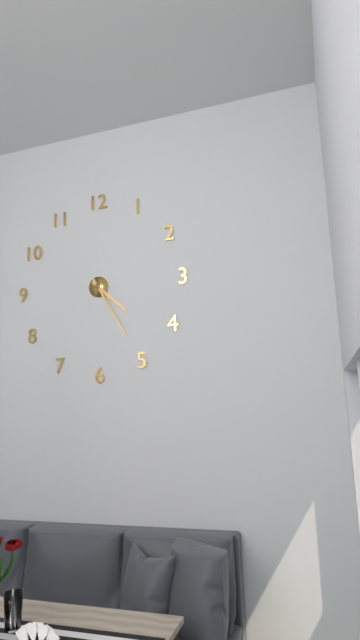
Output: {"hour": 4, "minute": 25}
